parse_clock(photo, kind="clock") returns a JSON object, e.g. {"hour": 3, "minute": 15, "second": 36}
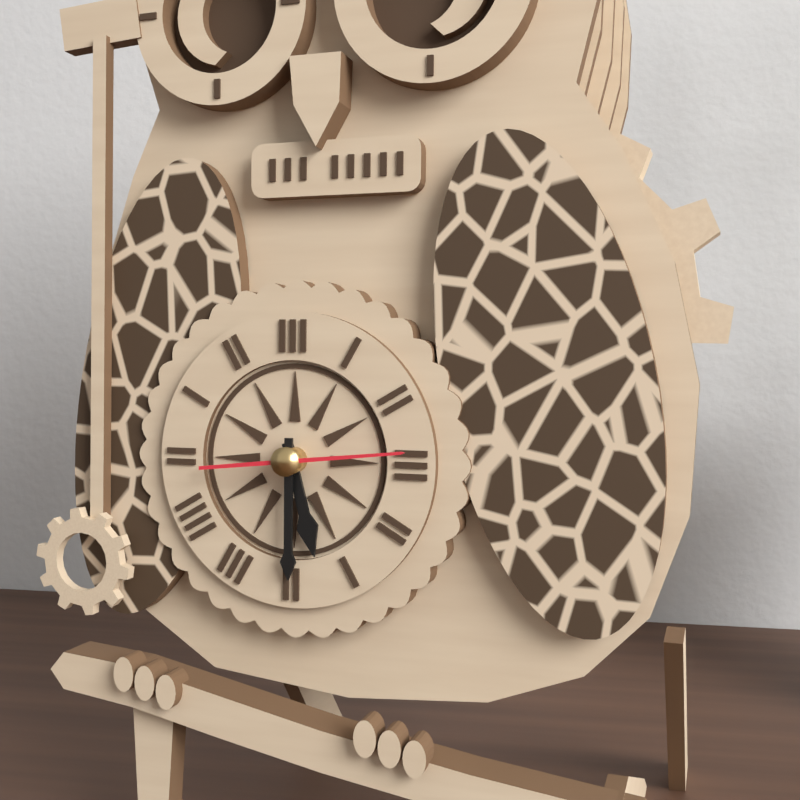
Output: {"hour": 5, "minute": 30, "second": 14}
